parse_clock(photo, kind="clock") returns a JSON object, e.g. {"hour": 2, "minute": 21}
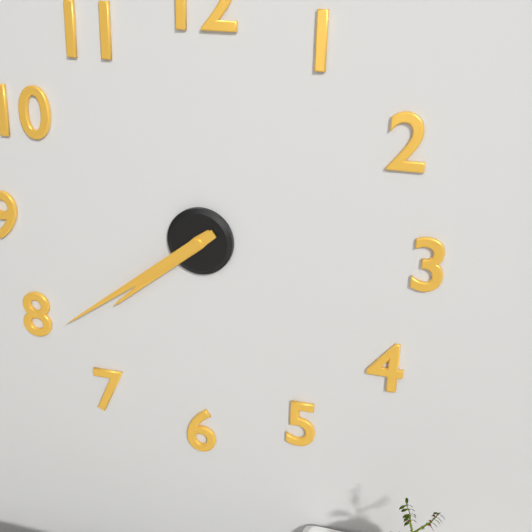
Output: {"hour": 7, "minute": 39}
